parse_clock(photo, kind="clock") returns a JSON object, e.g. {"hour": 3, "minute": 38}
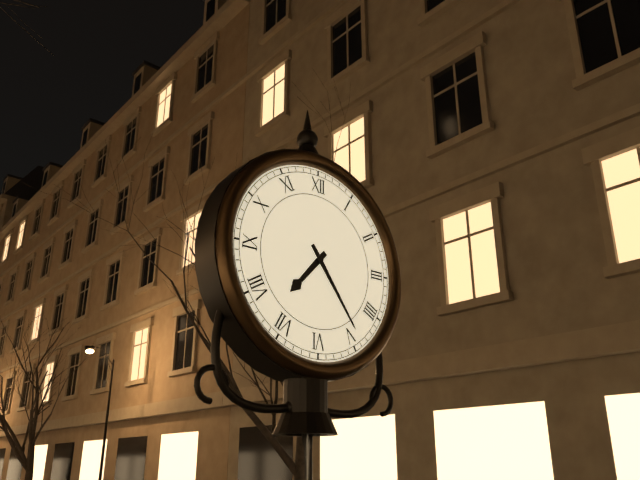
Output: {"hour": 7, "minute": 24}
